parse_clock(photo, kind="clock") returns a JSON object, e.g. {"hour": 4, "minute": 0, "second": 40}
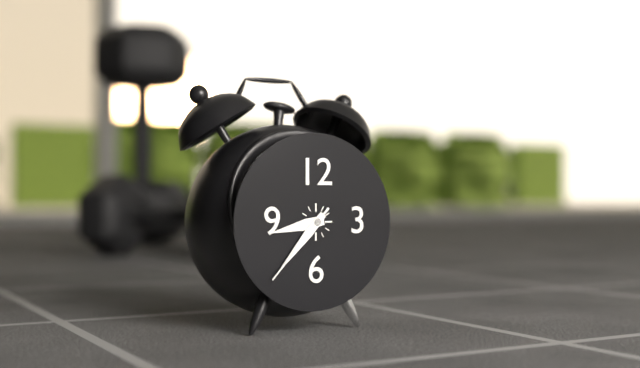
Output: {"hour": 8, "minute": 37, "second": 37}
